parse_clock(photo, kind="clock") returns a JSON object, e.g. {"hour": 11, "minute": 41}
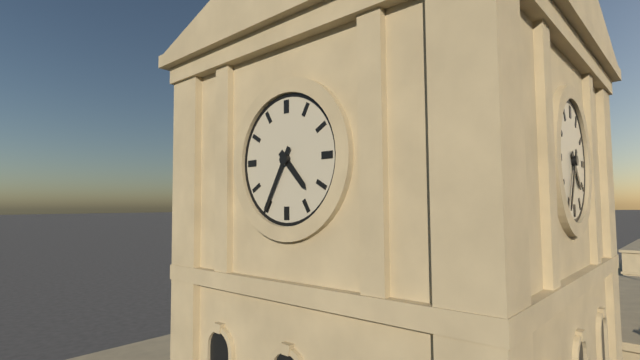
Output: {"hour": 4, "minute": 35}
